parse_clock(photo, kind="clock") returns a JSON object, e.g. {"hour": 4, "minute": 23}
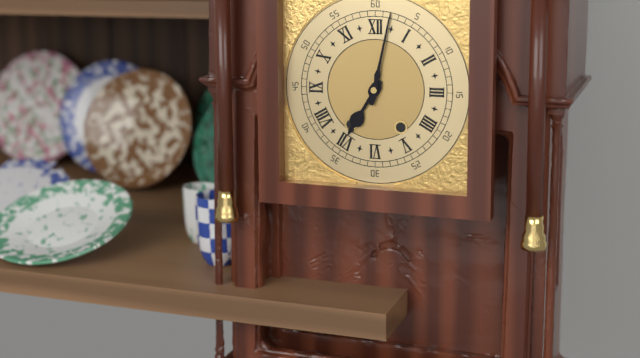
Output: {"hour": 7, "minute": 2}
